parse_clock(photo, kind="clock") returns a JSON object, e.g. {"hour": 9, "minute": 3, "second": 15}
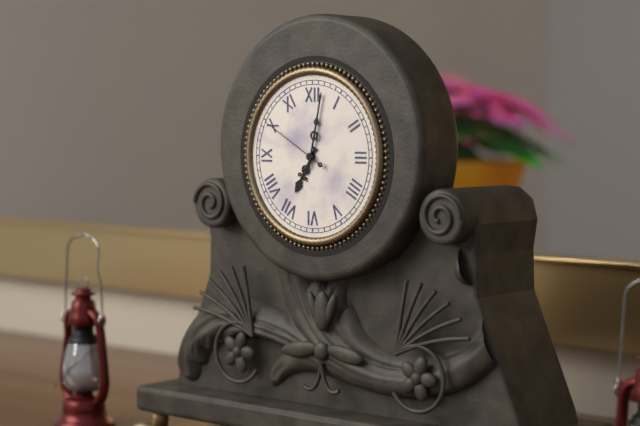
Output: {"hour": 7, "minute": 2, "second": 50}
